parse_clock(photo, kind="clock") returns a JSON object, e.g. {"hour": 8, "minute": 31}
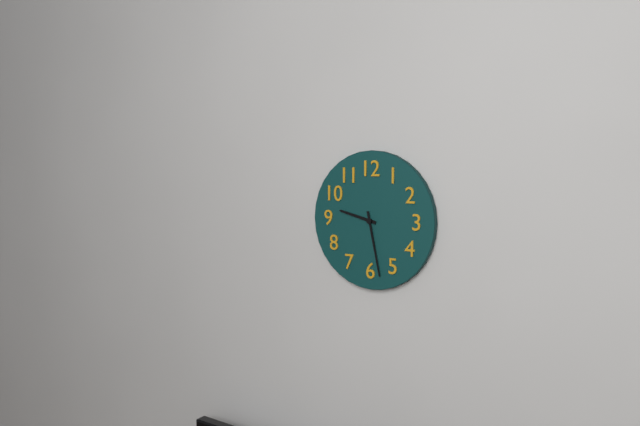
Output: {"hour": 9, "minute": 28}
